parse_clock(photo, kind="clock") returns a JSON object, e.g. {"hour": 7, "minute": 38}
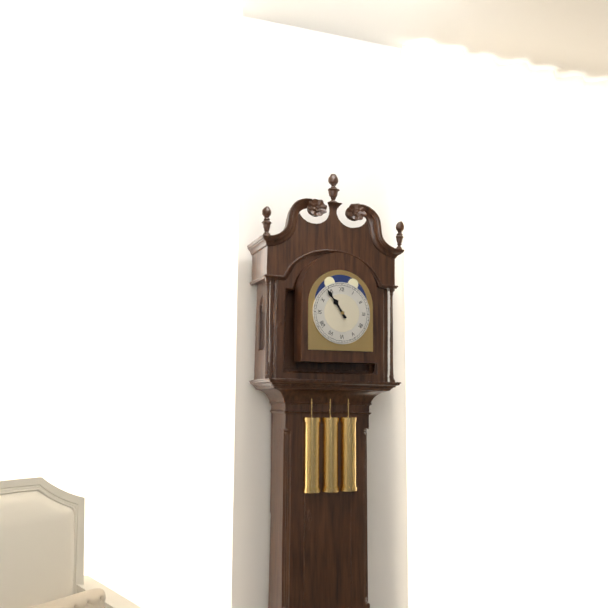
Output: {"hour": 10, "minute": 54}
